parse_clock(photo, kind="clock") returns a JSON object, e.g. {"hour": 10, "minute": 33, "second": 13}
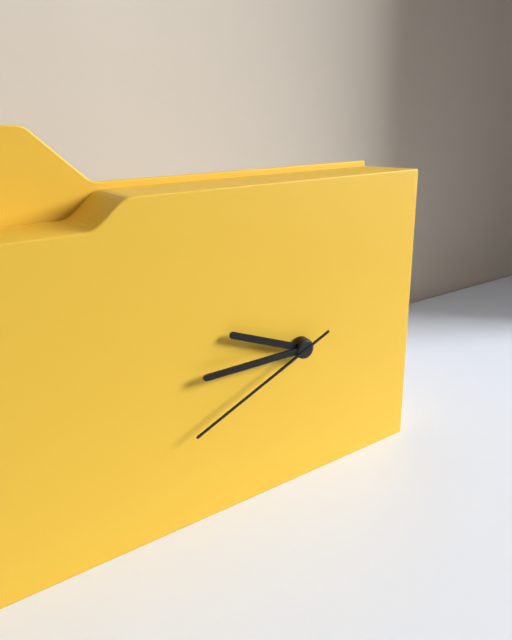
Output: {"hour": 9, "minute": 45, "second": 41}
